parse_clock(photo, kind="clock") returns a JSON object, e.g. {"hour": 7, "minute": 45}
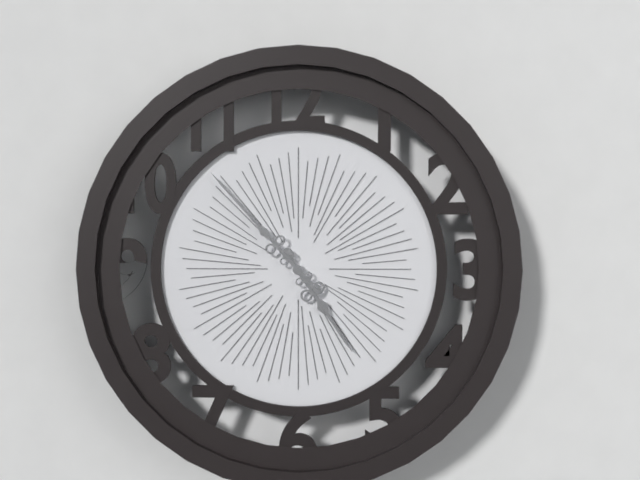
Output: {"hour": 4, "minute": 53}
